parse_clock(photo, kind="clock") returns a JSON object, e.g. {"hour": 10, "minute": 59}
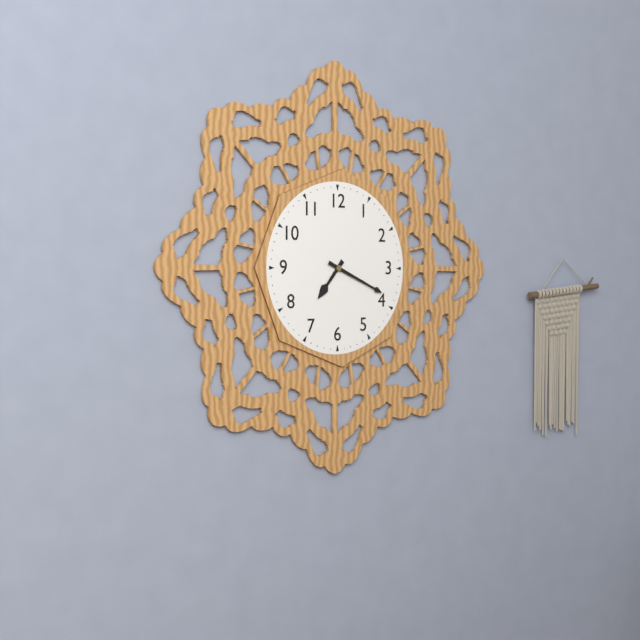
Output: {"hour": 7, "minute": 19}
